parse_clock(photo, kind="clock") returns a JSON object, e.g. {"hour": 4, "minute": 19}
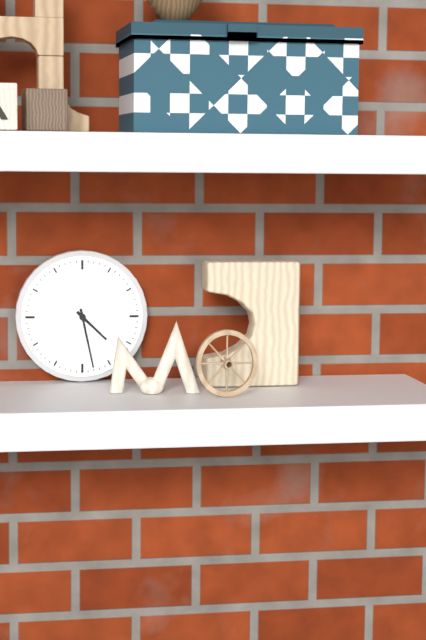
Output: {"hour": 4, "minute": 28}
